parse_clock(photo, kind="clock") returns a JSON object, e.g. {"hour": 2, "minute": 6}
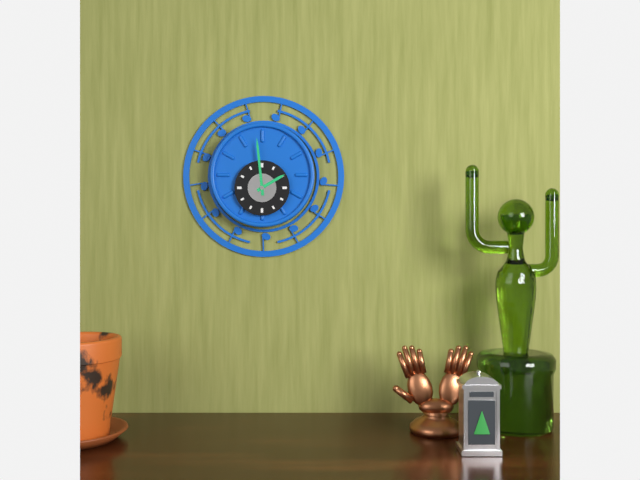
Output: {"hour": 1, "minute": 59}
